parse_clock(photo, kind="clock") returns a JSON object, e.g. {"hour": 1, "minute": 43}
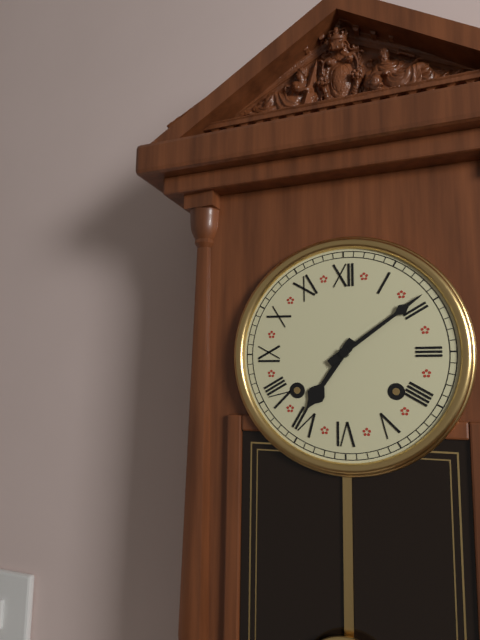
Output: {"hour": 7, "minute": 9}
